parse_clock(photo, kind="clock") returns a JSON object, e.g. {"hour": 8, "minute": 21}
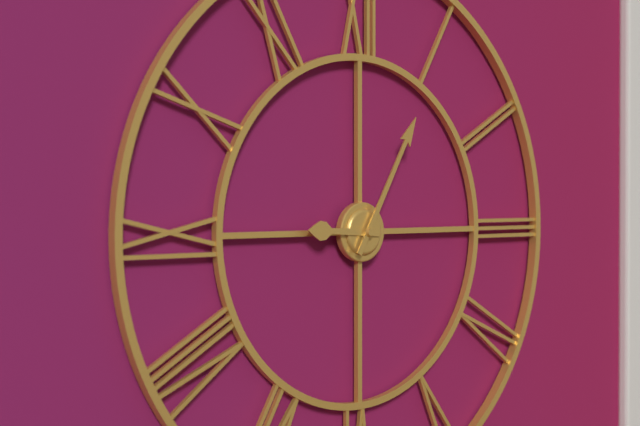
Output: {"hour": 9, "minute": 5}
